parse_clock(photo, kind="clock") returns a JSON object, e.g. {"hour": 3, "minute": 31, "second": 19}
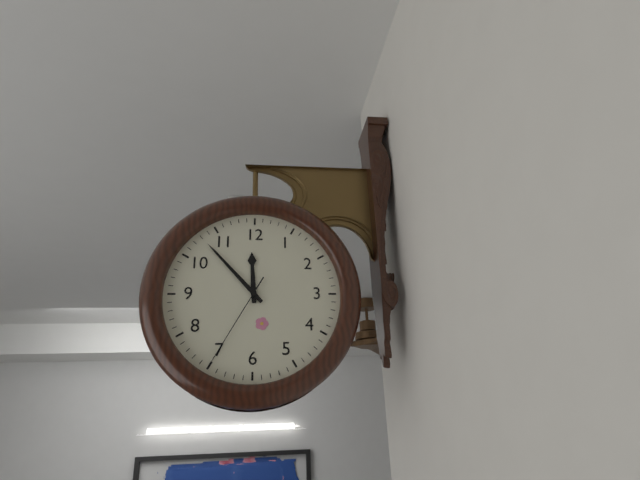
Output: {"hour": 11, "minute": 53, "second": 35}
